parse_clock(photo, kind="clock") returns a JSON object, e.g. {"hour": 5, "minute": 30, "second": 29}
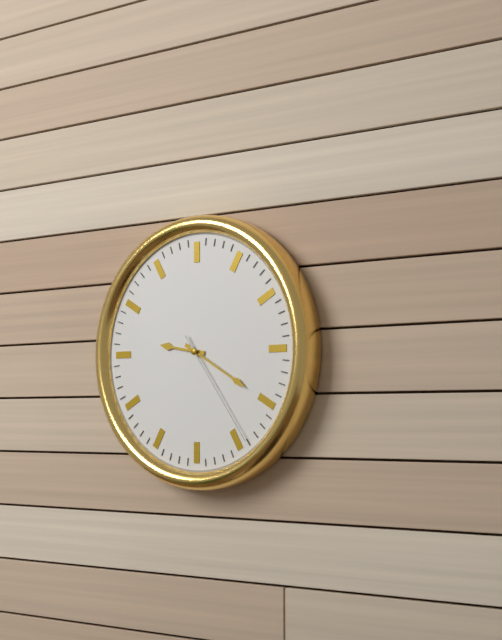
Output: {"hour": 9, "minute": 20, "second": 24}
